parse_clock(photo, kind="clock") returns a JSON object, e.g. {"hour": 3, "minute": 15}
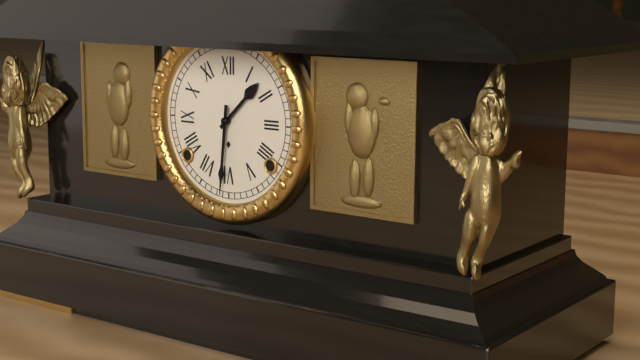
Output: {"hour": 1, "minute": 31}
